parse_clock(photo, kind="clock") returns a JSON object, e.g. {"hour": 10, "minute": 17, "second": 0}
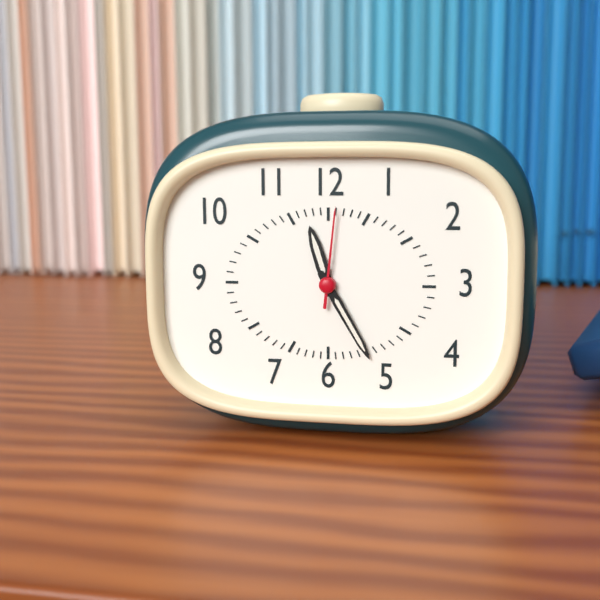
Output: {"hour": 11, "minute": 25, "second": 1}
